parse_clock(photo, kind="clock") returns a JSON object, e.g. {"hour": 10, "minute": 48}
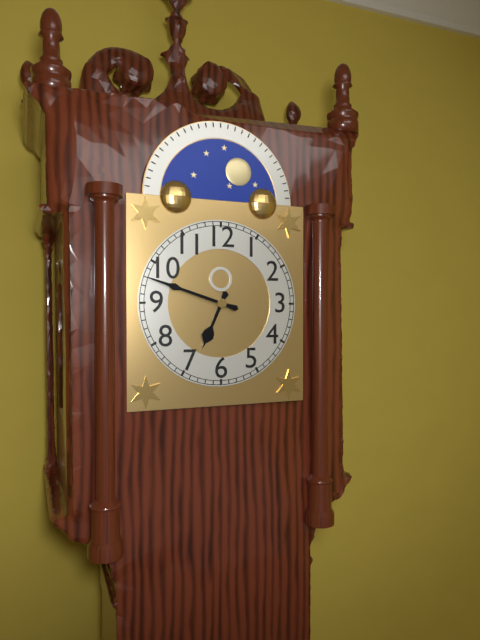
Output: {"hour": 6, "minute": 48}
